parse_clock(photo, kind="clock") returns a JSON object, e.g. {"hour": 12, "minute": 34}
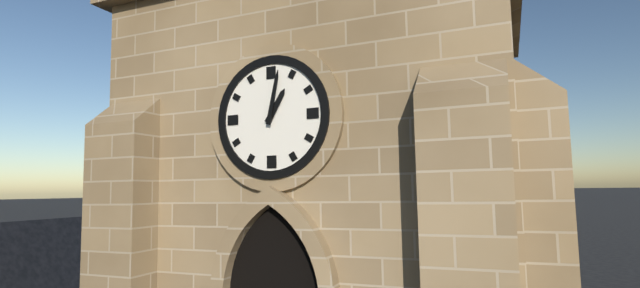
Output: {"hour": 1, "minute": 2}
